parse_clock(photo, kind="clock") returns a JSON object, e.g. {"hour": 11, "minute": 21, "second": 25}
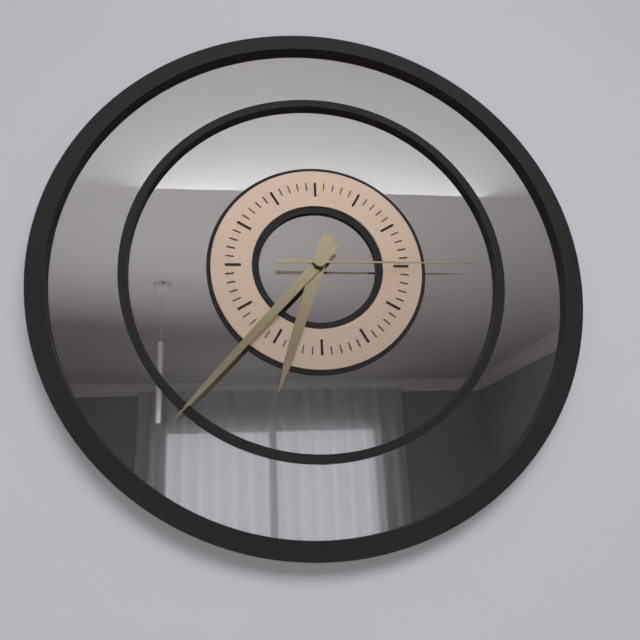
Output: {"hour": 6, "minute": 37, "second": 15}
